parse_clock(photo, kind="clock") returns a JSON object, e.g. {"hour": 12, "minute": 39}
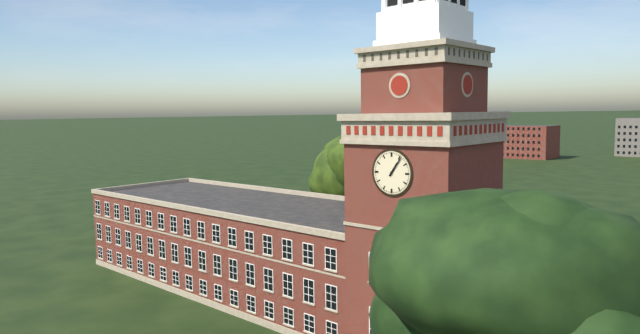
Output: {"hour": 1, "minute": 6}
